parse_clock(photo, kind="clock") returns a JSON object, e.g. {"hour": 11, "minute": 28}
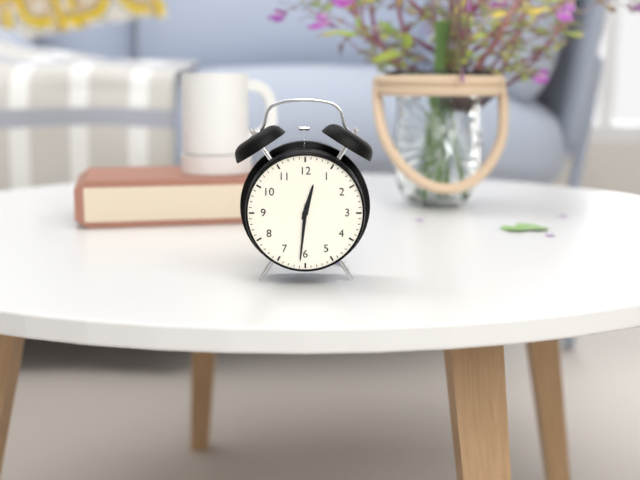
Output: {"hour": 12, "minute": 31}
